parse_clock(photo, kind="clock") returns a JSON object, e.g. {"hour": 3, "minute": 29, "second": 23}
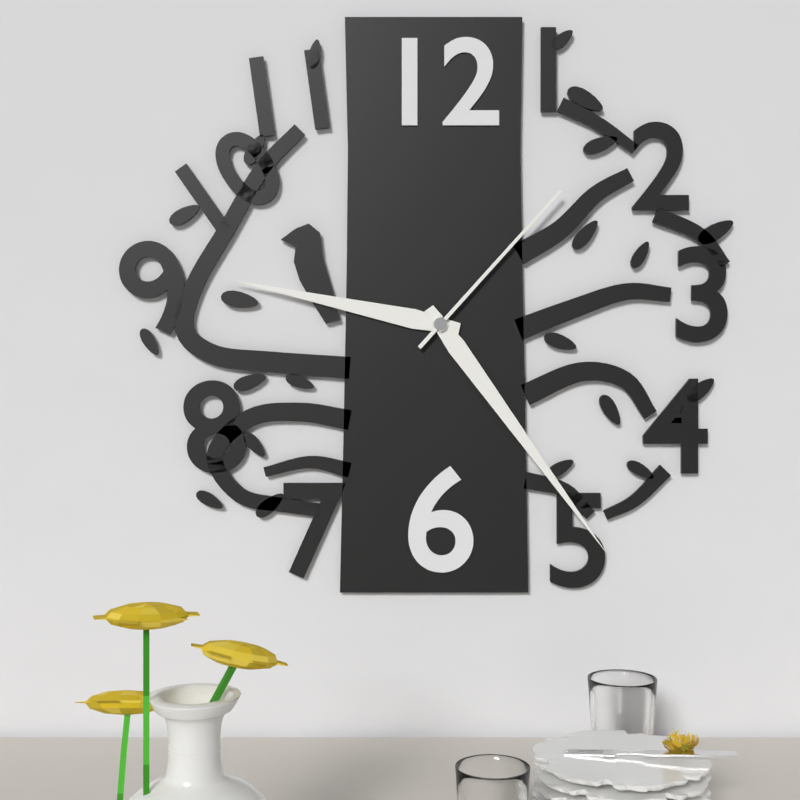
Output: {"hour": 9, "minute": 24, "second": 7}
